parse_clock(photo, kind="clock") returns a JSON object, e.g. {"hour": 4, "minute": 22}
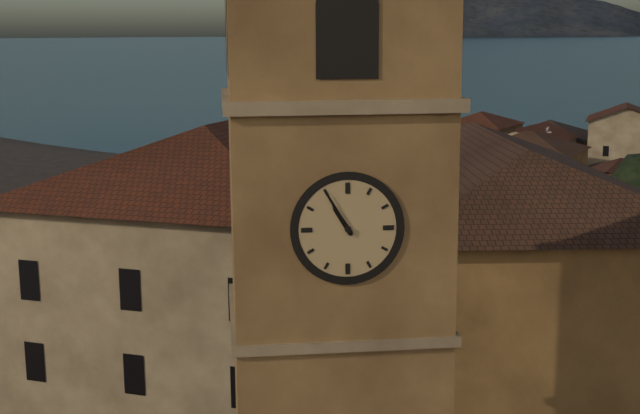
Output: {"hour": 10, "minute": 55}
